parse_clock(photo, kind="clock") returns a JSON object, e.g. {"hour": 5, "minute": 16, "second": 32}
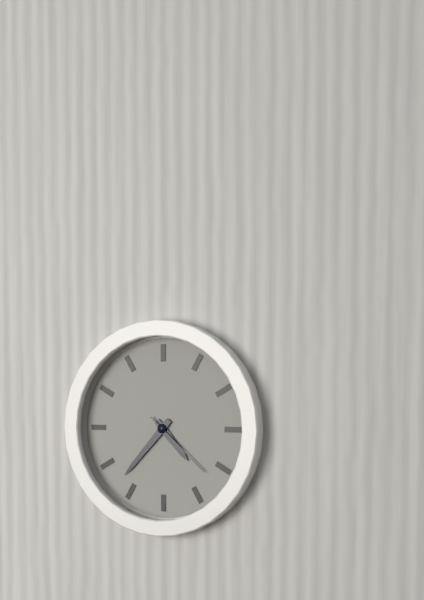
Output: {"hour": 4, "minute": 37, "second": 22}
